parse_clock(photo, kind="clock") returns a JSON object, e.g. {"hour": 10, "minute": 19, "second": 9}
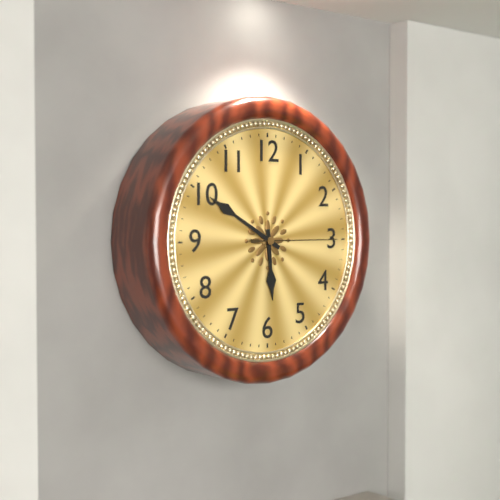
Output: {"hour": 5, "minute": 50, "second": 15}
